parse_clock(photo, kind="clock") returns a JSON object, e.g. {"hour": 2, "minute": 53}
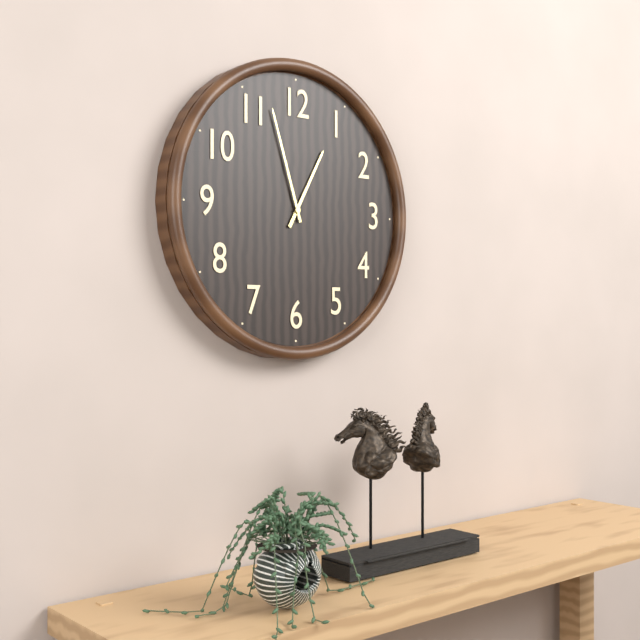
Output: {"hour": 12, "minute": 57}
